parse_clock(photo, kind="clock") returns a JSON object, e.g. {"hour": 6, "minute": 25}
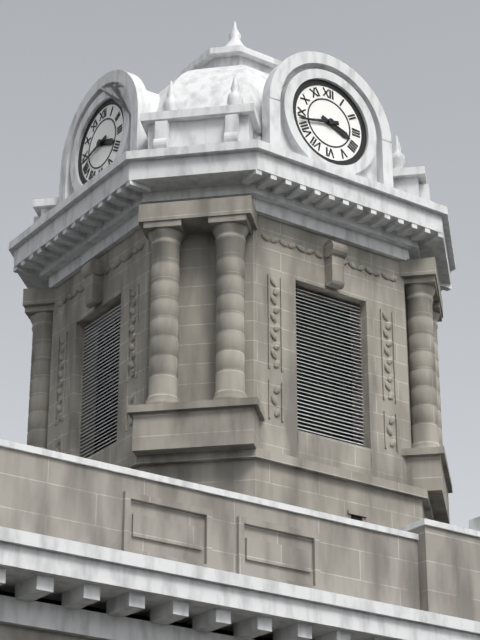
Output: {"hour": 3, "minute": 43}
